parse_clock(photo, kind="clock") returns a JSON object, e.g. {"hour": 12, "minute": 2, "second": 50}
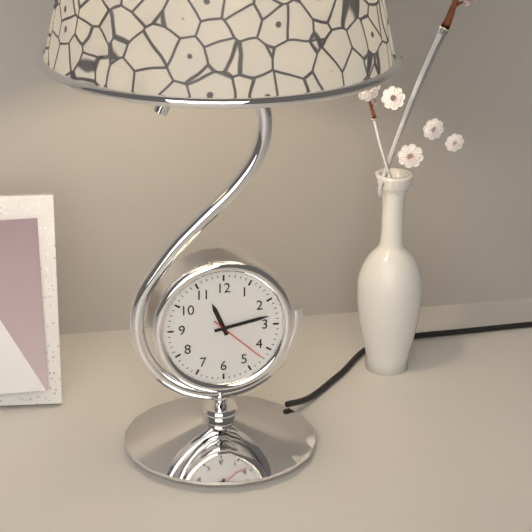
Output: {"hour": 11, "minute": 13, "second": 22}
